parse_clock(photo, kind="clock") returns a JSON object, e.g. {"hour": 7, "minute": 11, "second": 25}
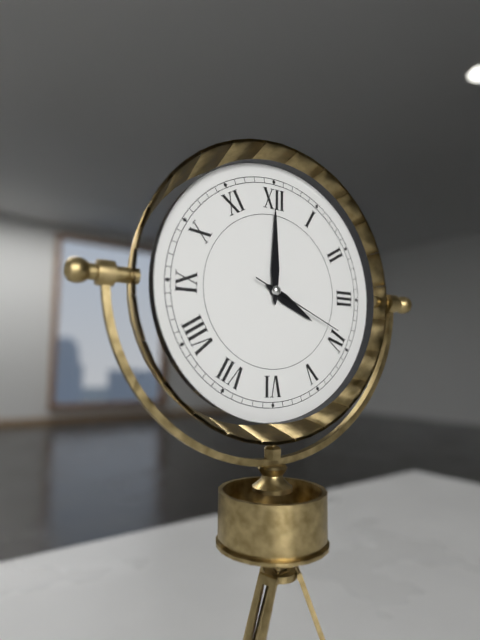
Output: {"hour": 4, "minute": 0, "second": 19}
